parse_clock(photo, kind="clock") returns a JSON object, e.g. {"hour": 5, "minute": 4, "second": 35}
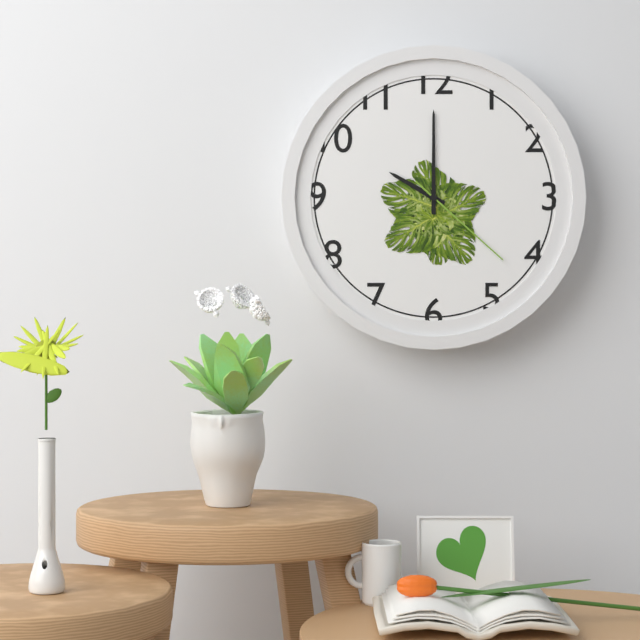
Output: {"hour": 10, "minute": 0, "second": 22}
